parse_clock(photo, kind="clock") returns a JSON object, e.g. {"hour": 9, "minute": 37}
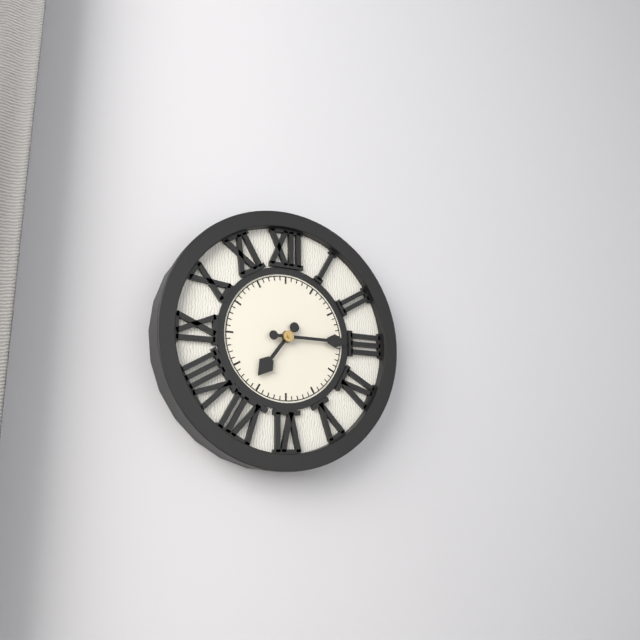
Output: {"hour": 7, "minute": 15}
